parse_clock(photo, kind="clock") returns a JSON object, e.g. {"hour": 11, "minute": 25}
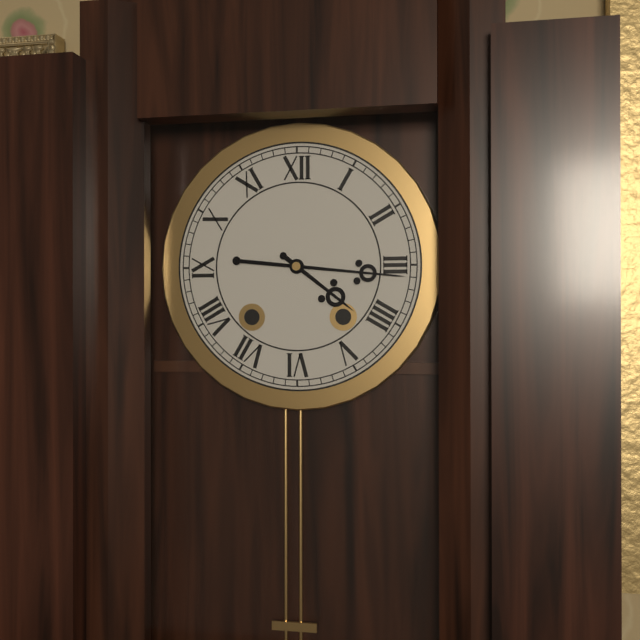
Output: {"hour": 4, "minute": 16}
